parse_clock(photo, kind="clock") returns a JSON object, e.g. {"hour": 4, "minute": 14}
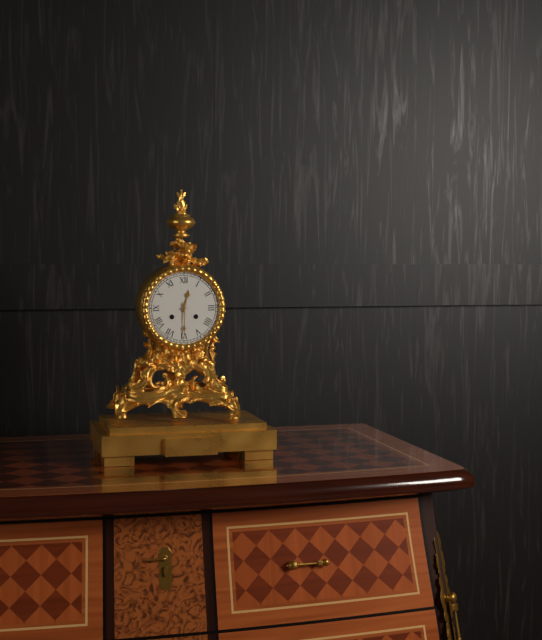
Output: {"hour": 12, "minute": 30}
